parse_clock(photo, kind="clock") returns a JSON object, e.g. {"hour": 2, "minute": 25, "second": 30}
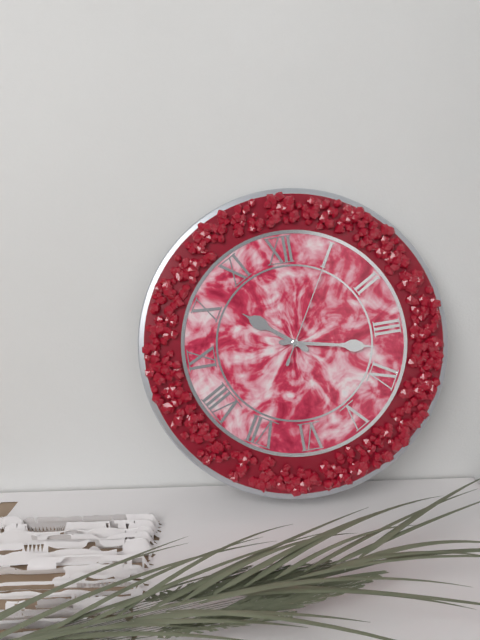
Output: {"hour": 10, "minute": 17, "second": 5}
